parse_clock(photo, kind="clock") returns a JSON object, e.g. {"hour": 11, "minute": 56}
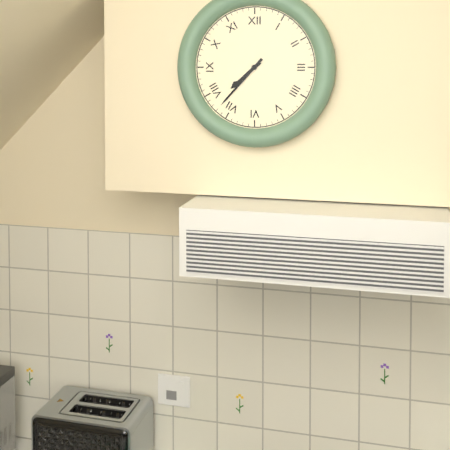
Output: {"hour": 7, "minute": 37}
